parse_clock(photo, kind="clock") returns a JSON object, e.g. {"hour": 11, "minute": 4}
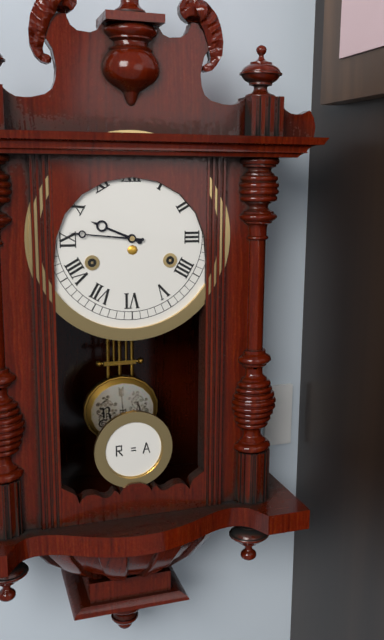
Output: {"hour": 9, "minute": 46}
